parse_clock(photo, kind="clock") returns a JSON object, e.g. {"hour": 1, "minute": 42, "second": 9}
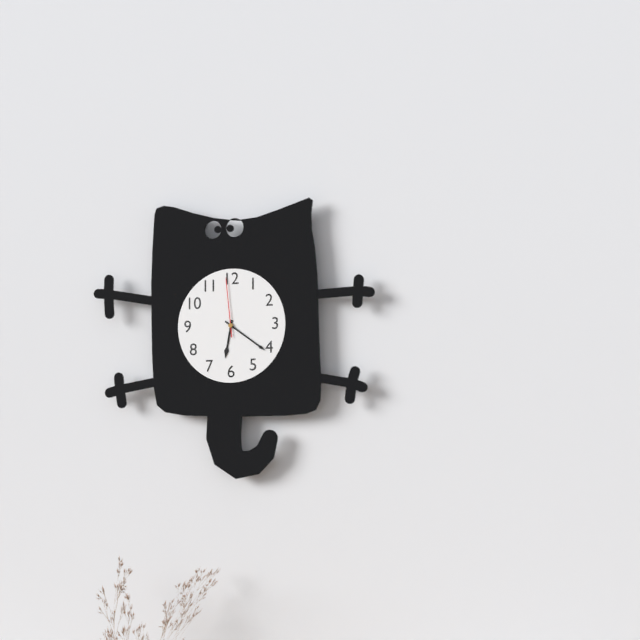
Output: {"hour": 6, "minute": 21, "second": 59}
